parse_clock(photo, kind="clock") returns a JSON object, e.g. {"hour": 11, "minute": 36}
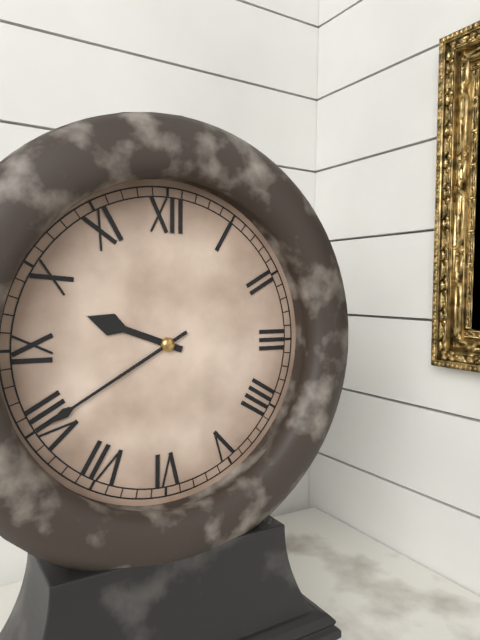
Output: {"hour": 9, "minute": 40}
